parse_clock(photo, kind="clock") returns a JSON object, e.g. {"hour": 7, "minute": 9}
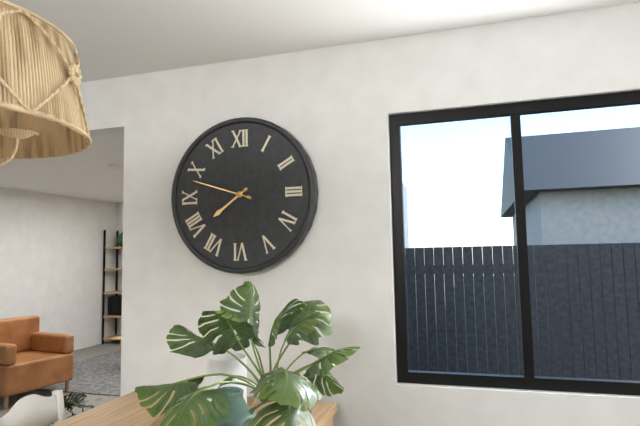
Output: {"hour": 7, "minute": 48}
